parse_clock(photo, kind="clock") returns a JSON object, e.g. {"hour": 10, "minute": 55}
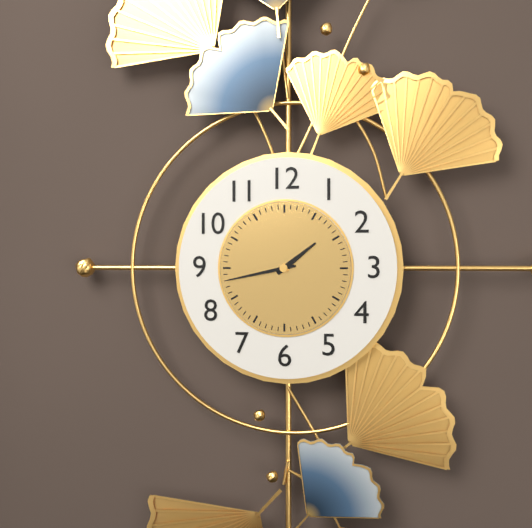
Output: {"hour": 1, "minute": 43}
